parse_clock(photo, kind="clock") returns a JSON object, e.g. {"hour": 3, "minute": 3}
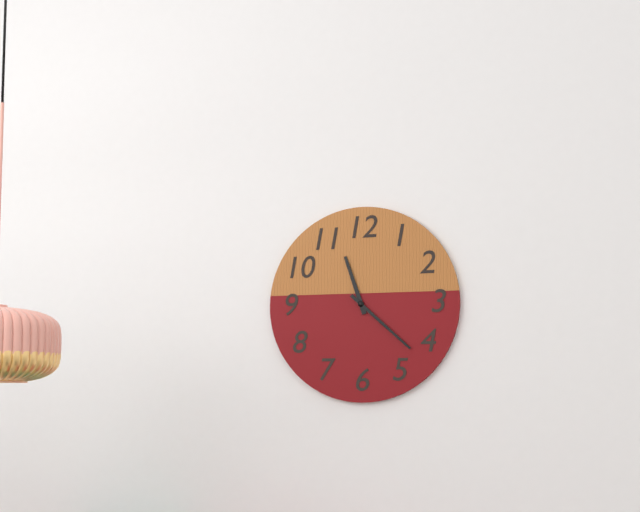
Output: {"hour": 11, "minute": 22}
